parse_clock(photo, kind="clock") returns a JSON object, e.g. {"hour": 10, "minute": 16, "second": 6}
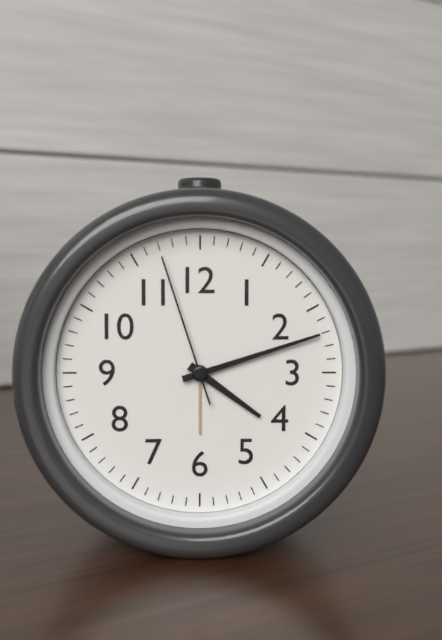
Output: {"hour": 4, "minute": 12, "second": 57}
